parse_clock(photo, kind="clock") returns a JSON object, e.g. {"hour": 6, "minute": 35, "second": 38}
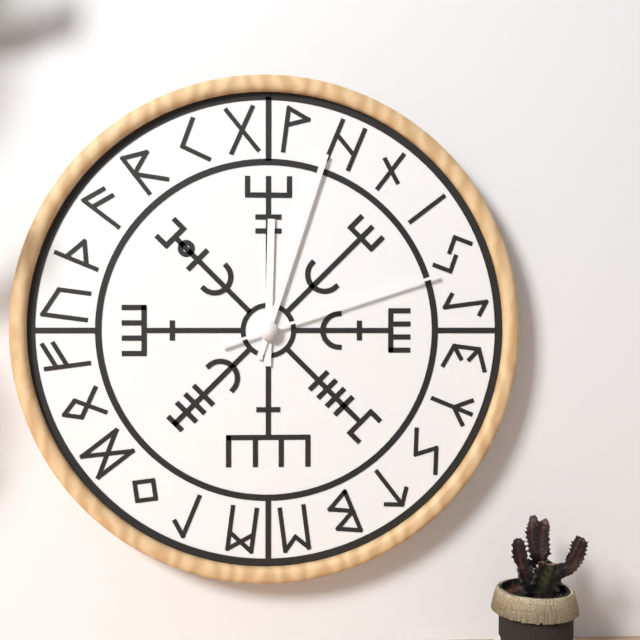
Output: {"hour": 12, "minute": 3, "second": 12}
